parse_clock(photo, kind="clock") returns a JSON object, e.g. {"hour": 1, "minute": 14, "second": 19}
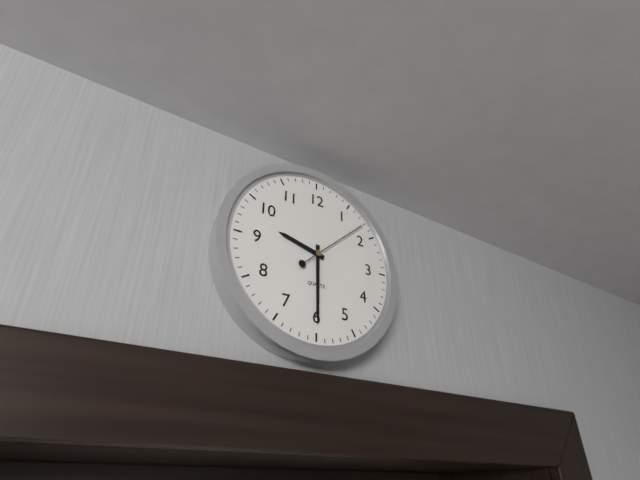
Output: {"hour": 9, "minute": 30, "second": 8}
